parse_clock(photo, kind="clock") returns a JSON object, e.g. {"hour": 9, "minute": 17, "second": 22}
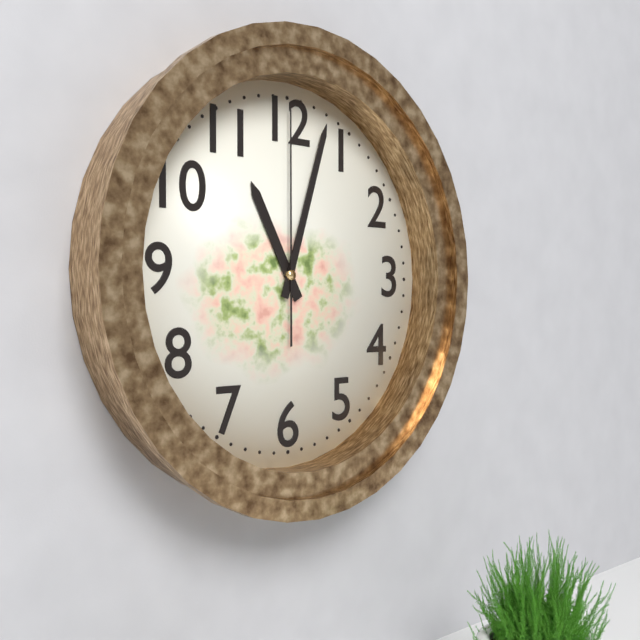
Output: {"hour": 11, "minute": 3, "second": 0}
